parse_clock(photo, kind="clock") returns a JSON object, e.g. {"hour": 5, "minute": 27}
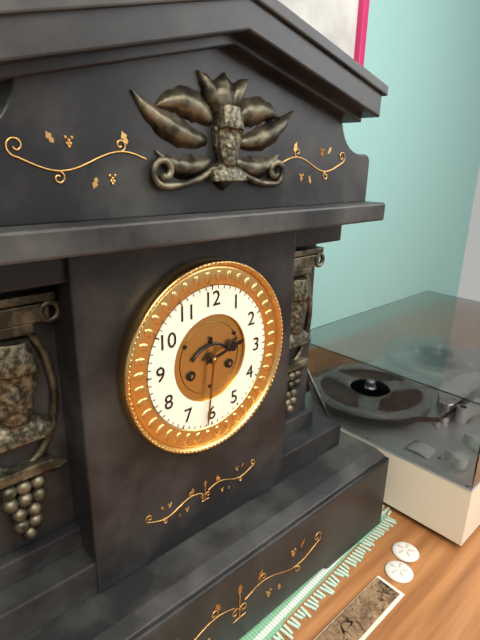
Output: {"hour": 2, "minute": 31}
